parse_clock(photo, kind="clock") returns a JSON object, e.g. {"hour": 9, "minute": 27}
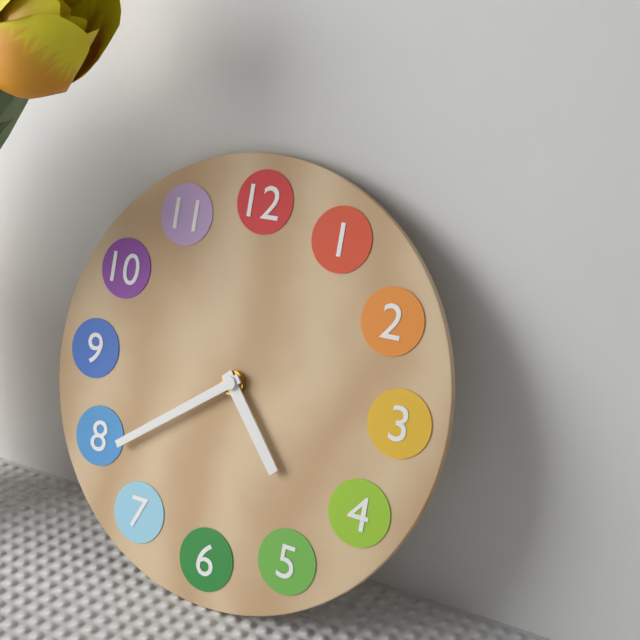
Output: {"hour": 4, "minute": 39}
